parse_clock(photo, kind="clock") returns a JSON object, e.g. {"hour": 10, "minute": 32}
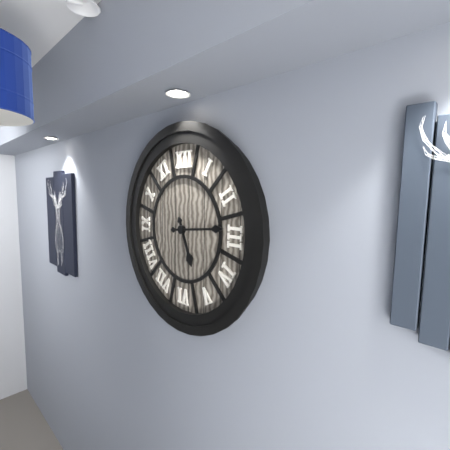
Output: {"hour": 5, "minute": 14}
